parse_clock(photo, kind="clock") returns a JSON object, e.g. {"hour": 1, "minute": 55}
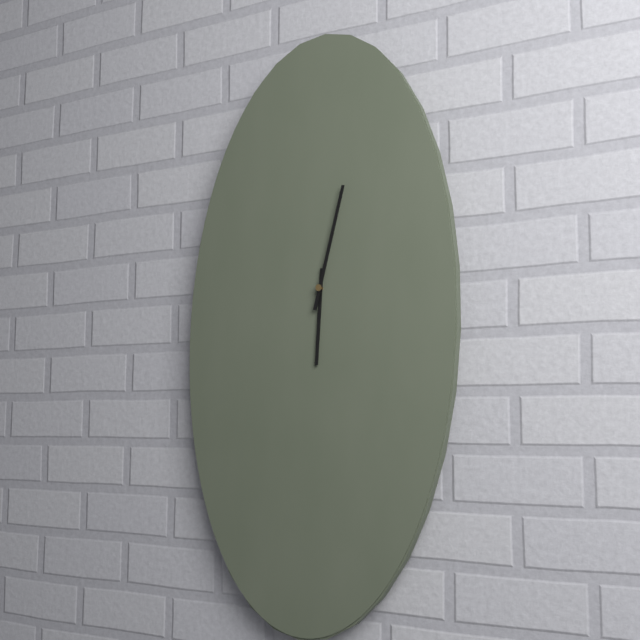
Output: {"hour": 6, "minute": 2}
